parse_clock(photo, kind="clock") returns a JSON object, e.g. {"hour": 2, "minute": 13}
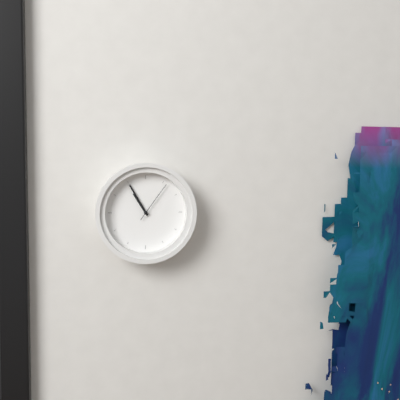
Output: {"hour": 10, "minute": 55}
